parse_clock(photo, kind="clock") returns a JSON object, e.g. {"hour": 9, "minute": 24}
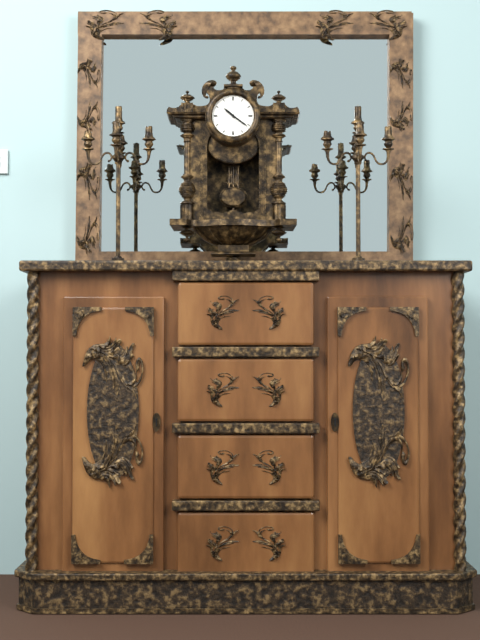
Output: {"hour": 10, "minute": 21}
